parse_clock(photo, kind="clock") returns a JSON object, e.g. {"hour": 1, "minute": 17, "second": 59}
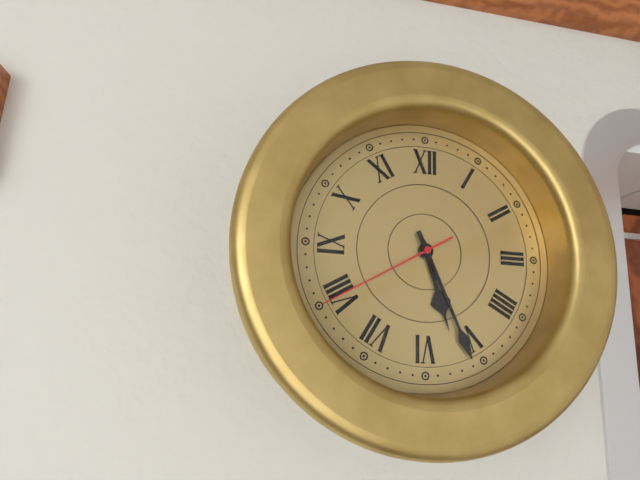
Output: {"hour": 5, "minute": 26, "second": 40}
